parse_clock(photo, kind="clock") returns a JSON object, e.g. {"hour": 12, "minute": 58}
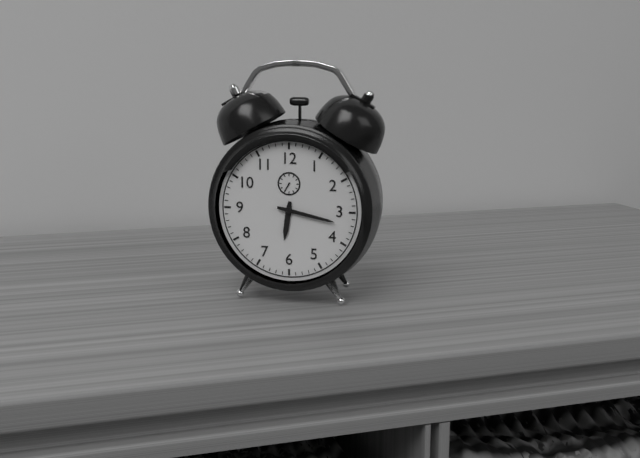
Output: {"hour": 6, "minute": 17}
